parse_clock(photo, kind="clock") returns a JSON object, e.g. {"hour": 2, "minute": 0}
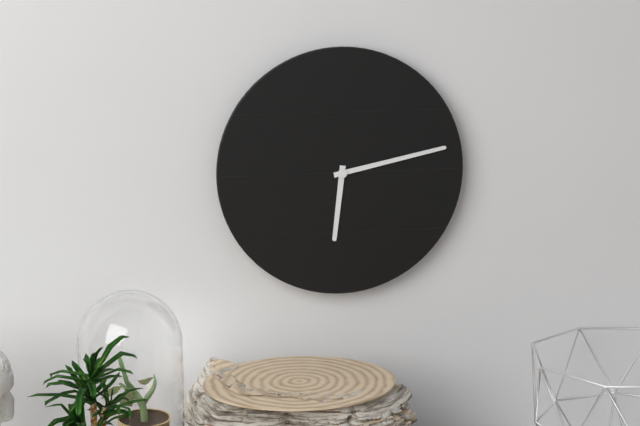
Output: {"hour": 6, "minute": 13}
